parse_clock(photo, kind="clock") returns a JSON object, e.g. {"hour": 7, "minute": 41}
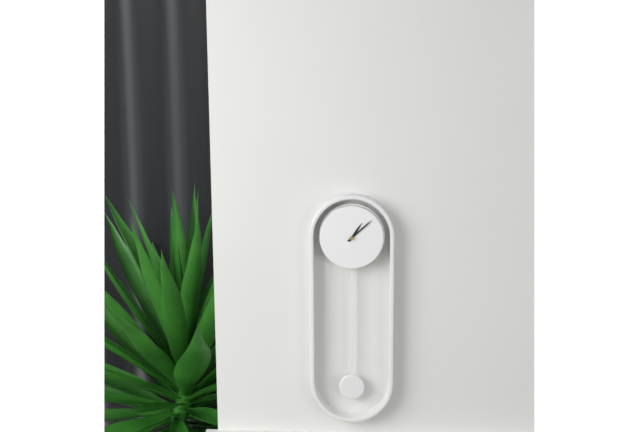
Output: {"hour": 1, "minute": 8}
